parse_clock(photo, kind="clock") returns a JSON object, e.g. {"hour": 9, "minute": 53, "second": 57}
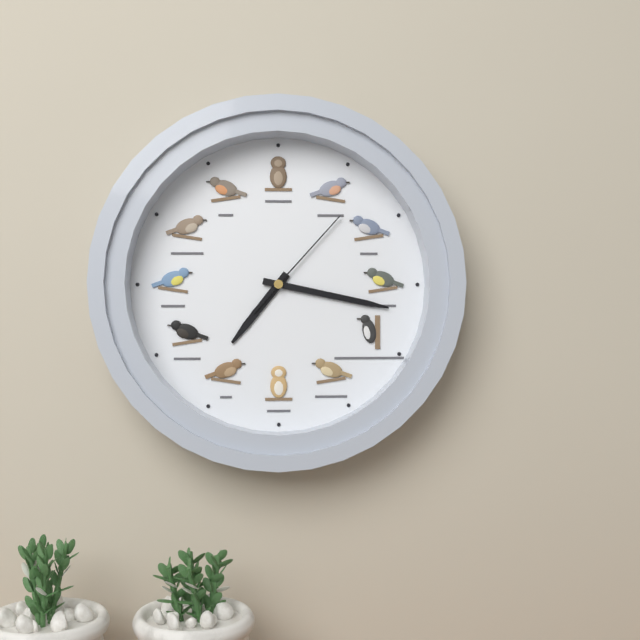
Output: {"hour": 7, "minute": 17, "second": 7}
